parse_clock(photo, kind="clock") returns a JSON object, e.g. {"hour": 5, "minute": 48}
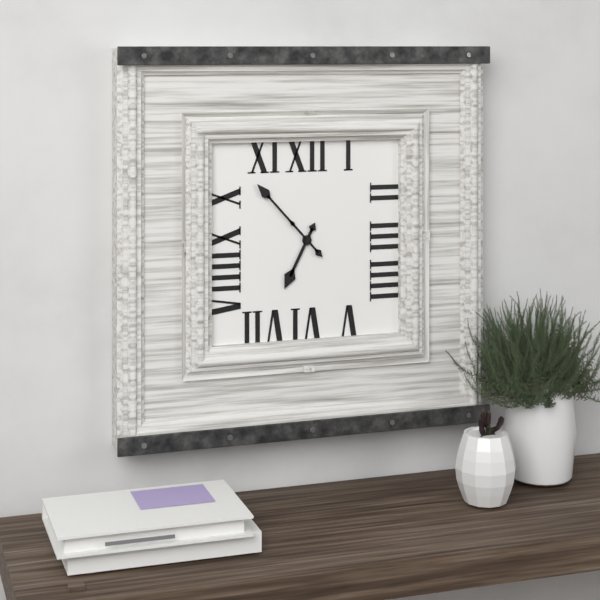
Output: {"hour": 6, "minute": 53}
